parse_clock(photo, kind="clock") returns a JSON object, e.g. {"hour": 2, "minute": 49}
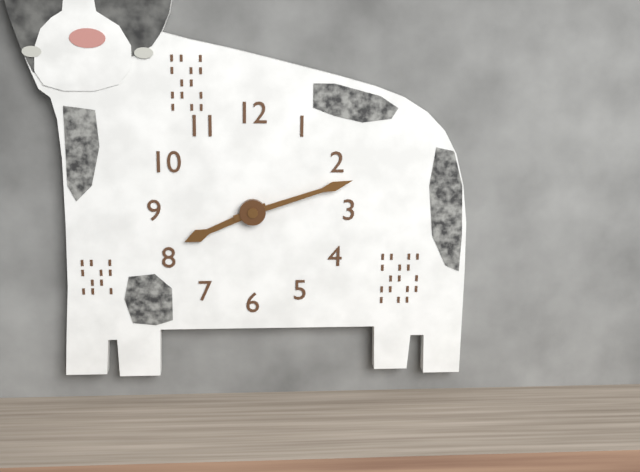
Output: {"hour": 8, "minute": 12}
